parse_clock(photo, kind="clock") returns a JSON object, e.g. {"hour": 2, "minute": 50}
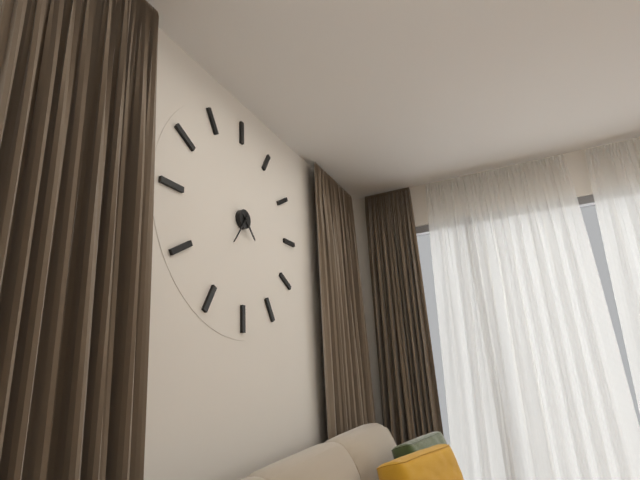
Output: {"hour": 4, "minute": 36}
